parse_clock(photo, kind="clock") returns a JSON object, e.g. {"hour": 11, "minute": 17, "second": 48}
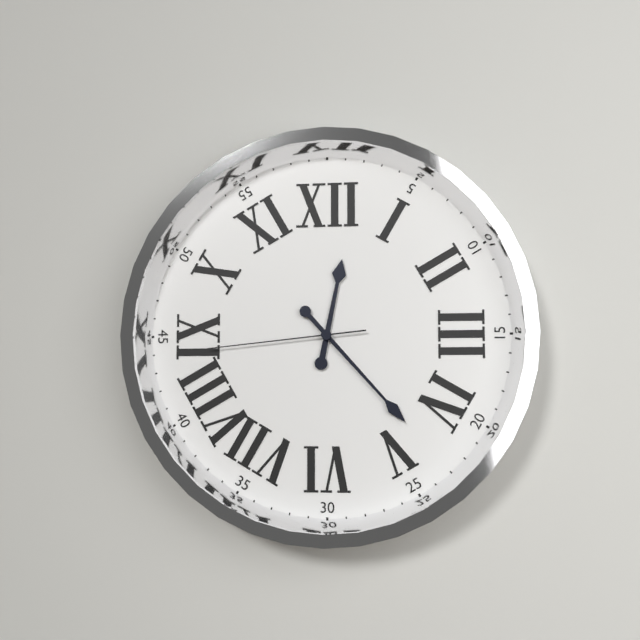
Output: {"hour": 12, "minute": 23, "second": 44}
